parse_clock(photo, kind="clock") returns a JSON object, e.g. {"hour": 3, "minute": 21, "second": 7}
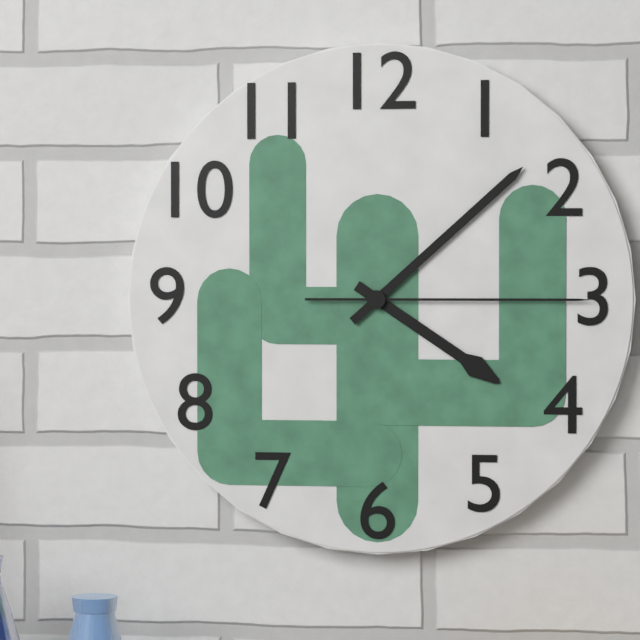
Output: {"hour": 4, "minute": 8, "second": 15}
